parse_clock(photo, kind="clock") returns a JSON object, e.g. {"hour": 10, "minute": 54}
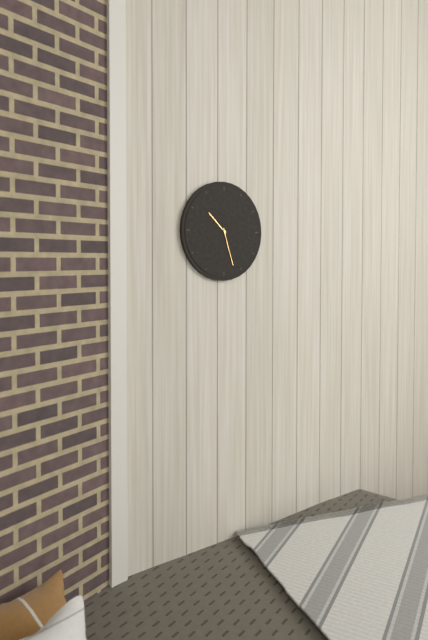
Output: {"hour": 10, "minute": 27}
